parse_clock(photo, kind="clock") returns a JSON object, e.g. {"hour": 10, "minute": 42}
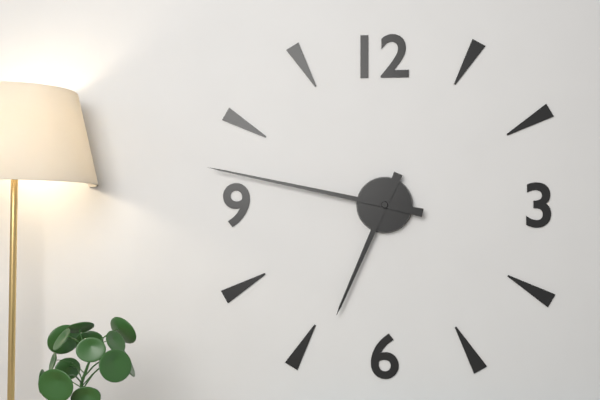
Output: {"hour": 6, "minute": 47}
